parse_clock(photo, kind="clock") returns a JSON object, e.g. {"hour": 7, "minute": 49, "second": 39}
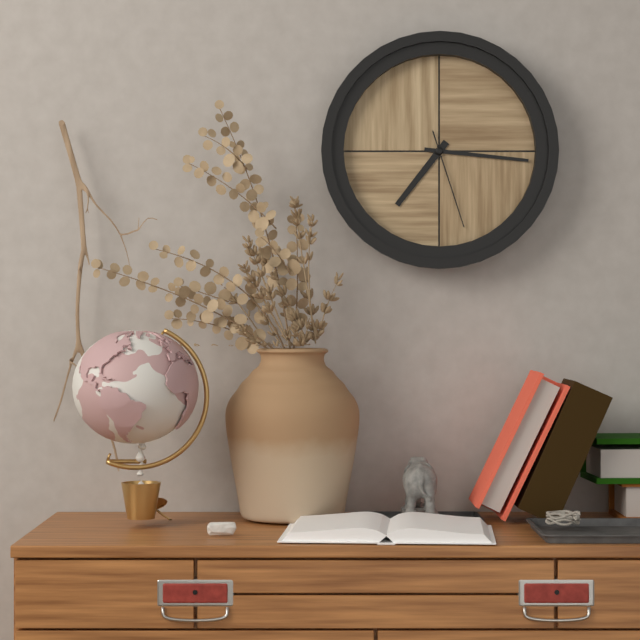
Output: {"hour": 7, "minute": 16, "second": 27}
